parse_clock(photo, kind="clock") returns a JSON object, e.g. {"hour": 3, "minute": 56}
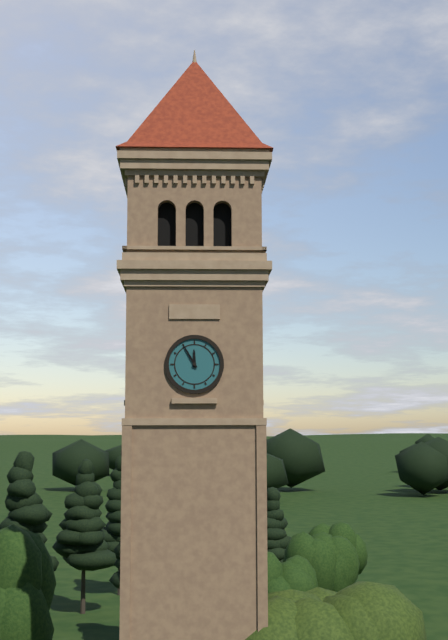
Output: {"hour": 11, "minute": 55}
